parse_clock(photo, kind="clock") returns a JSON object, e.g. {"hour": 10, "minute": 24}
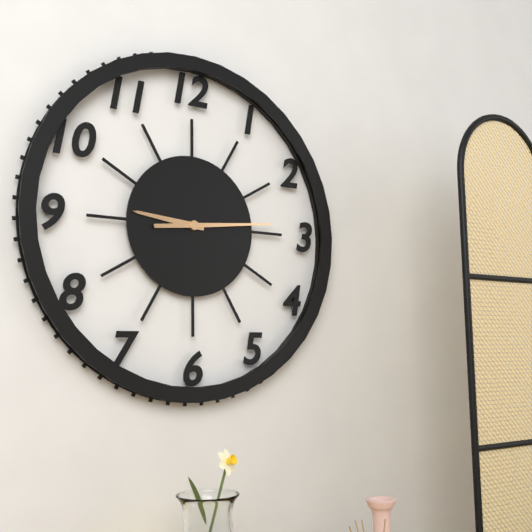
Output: {"hour": 9, "minute": 14}
